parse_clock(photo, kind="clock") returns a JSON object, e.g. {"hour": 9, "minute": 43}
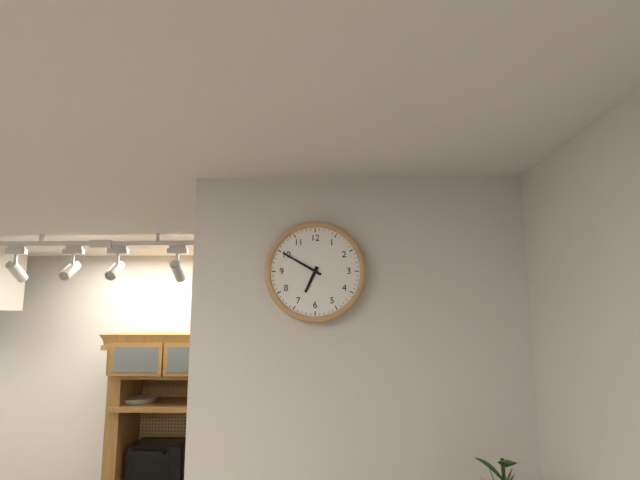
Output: {"hour": 6, "minute": 50}
